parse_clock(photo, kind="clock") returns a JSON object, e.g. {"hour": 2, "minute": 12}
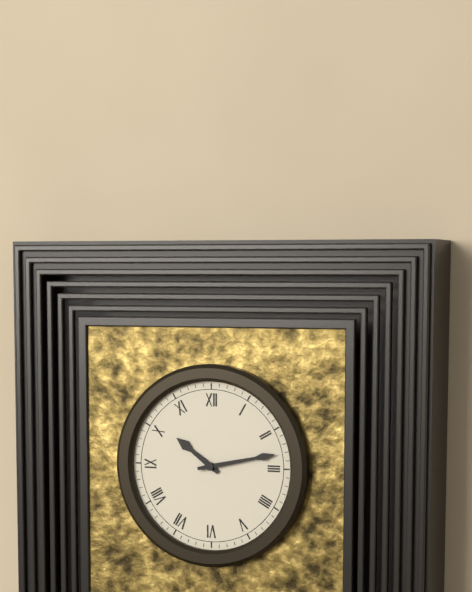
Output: {"hour": 10, "minute": 13}
